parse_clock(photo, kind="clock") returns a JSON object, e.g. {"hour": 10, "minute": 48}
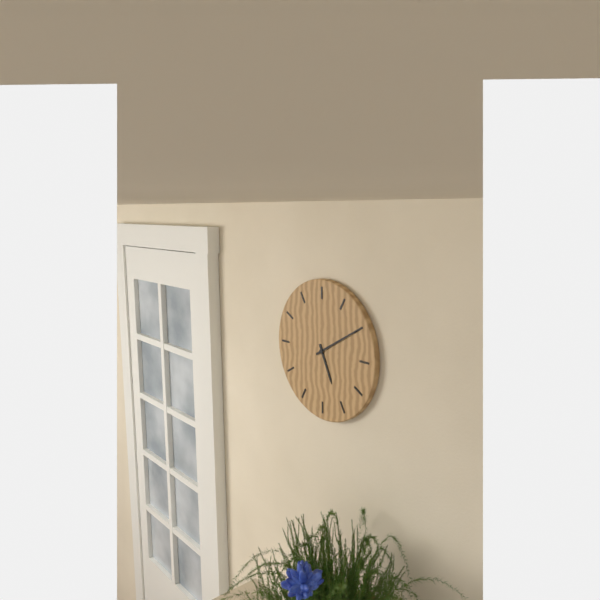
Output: {"hour": 5, "minute": 10}
